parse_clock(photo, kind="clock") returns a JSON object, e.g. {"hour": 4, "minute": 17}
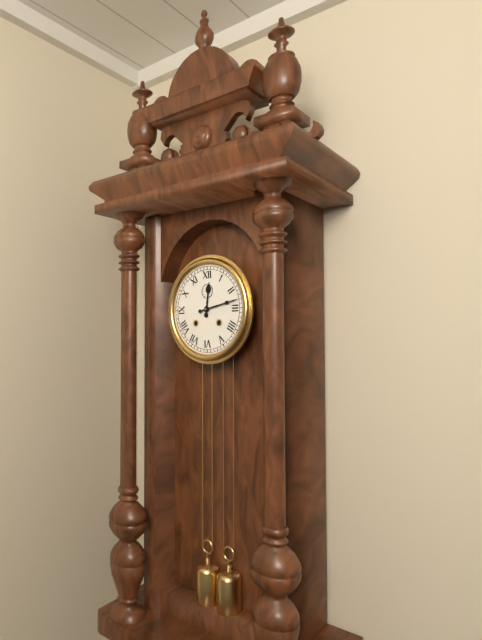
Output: {"hour": 12, "minute": 13}
